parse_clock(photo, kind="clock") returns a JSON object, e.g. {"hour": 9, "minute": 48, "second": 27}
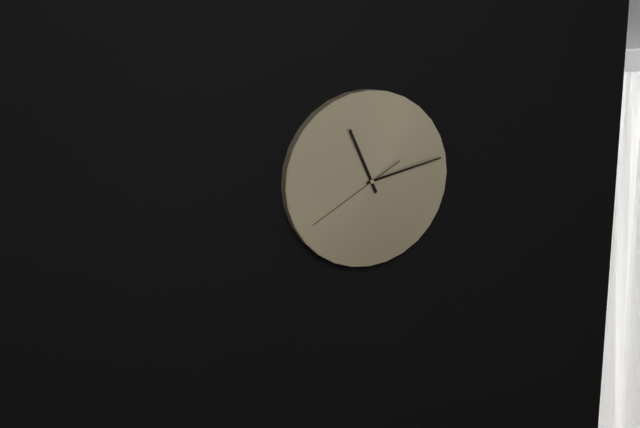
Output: {"hour": 11, "minute": 13, "second": 40}
